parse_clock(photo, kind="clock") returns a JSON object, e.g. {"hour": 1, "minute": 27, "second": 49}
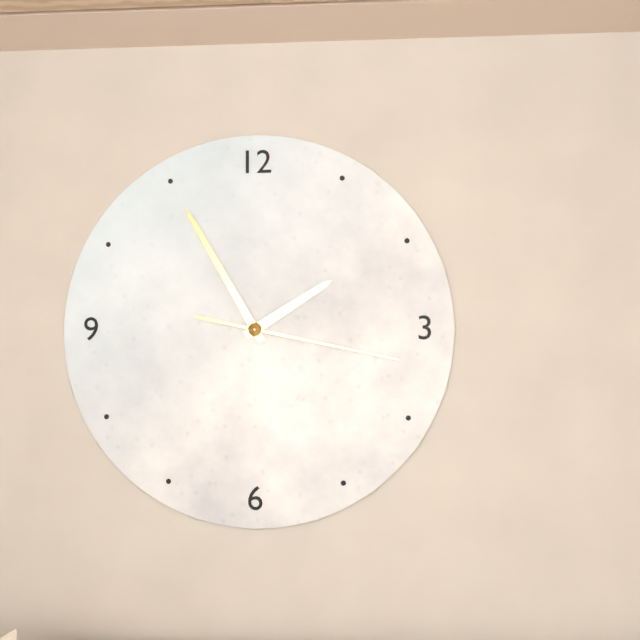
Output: {"hour": 1, "minute": 55, "second": 17}
